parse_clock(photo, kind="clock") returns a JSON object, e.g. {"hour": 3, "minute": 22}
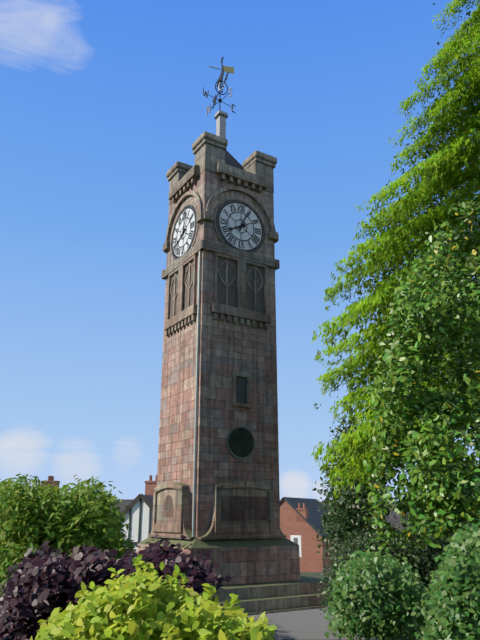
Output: {"hour": 8, "minute": 4}
